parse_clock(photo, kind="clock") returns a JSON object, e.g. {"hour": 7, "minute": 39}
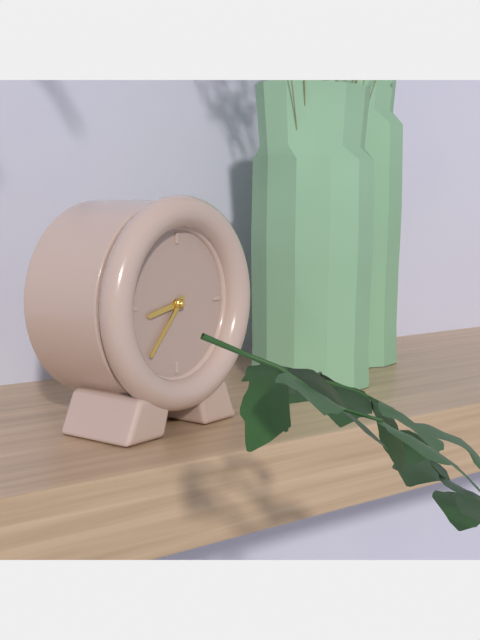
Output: {"hour": 8, "minute": 37}
